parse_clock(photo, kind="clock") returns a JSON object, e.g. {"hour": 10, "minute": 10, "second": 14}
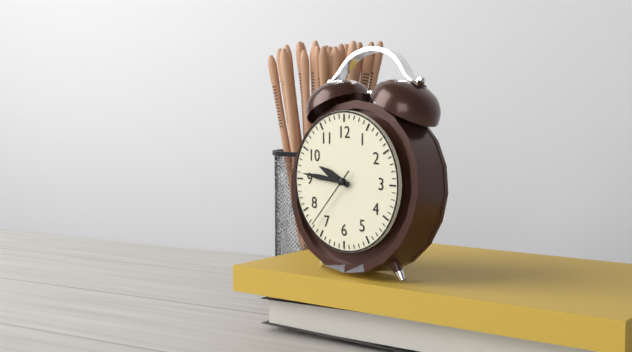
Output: {"hour": 9, "minute": 46, "second": 37}
